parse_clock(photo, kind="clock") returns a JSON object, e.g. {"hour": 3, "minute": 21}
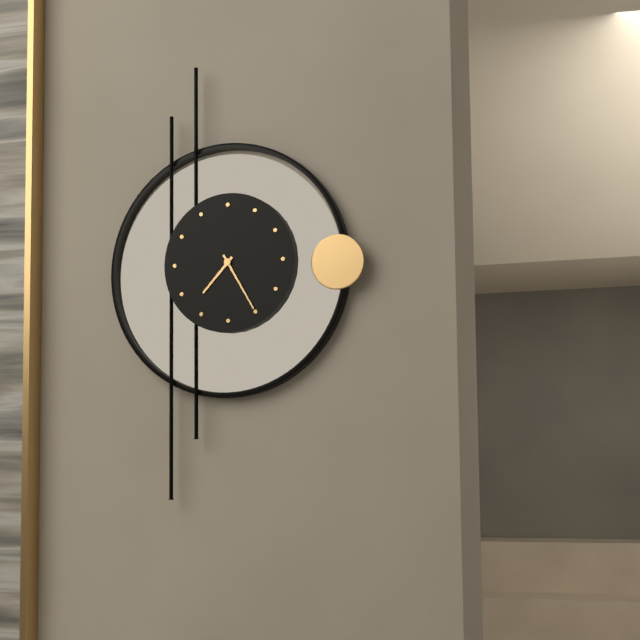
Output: {"hour": 7, "minute": 25}
